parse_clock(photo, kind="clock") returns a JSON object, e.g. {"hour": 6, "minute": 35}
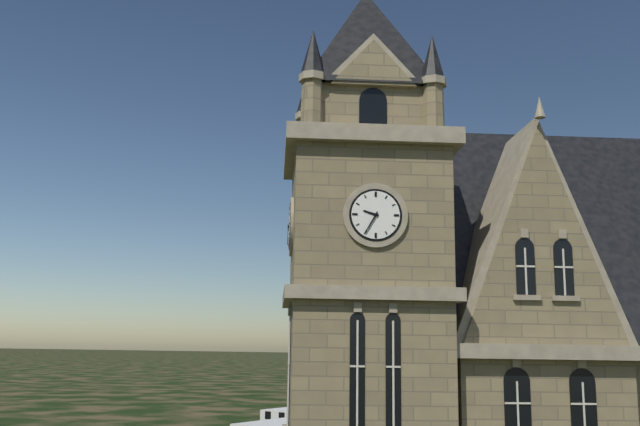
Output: {"hour": 9, "minute": 35}
